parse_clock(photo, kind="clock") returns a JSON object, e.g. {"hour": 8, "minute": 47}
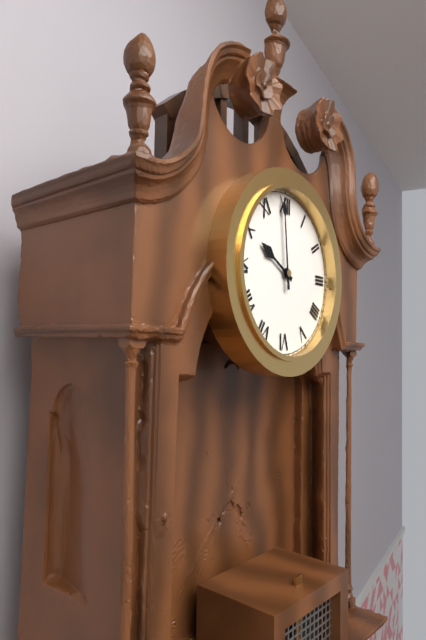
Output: {"hour": 9, "minute": 59}
